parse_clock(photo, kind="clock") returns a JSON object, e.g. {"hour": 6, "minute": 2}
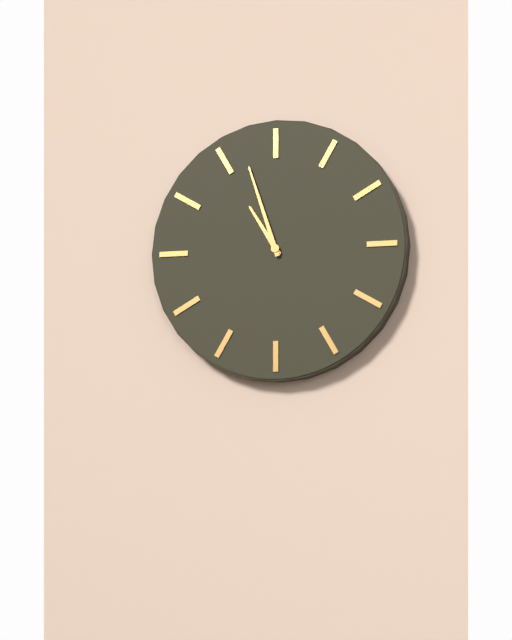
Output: {"hour": 10, "minute": 57}
